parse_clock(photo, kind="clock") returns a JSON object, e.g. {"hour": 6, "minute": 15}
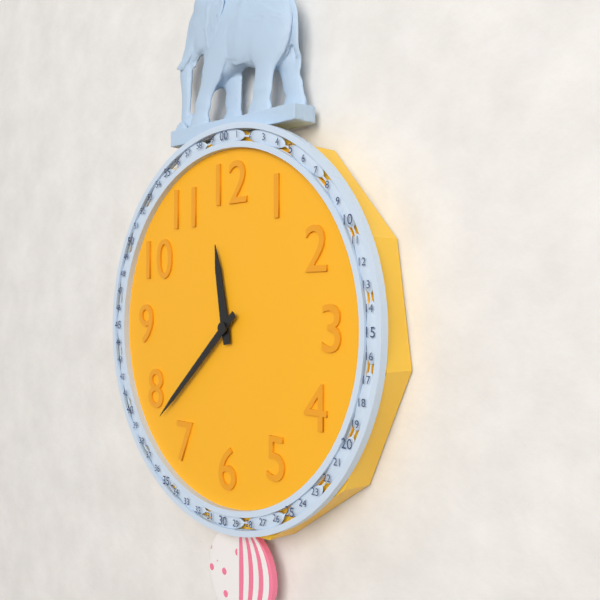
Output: {"hour": 11, "minute": 38}
